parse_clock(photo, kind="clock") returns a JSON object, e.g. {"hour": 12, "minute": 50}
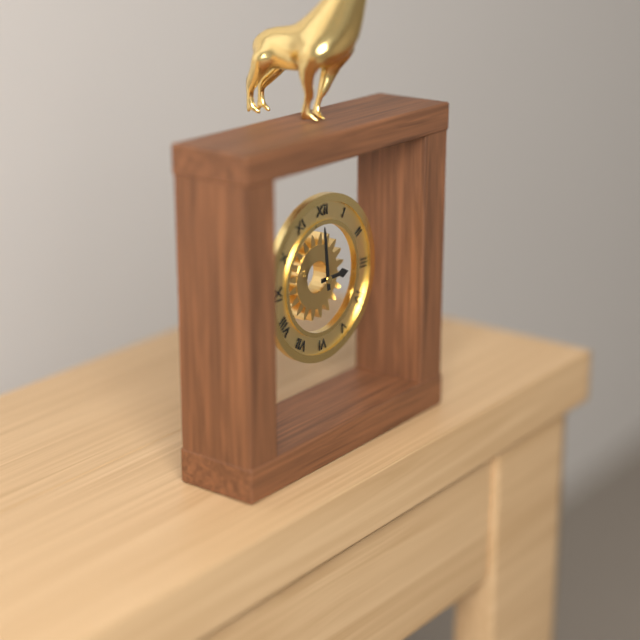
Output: {"hour": 2, "minute": 59}
